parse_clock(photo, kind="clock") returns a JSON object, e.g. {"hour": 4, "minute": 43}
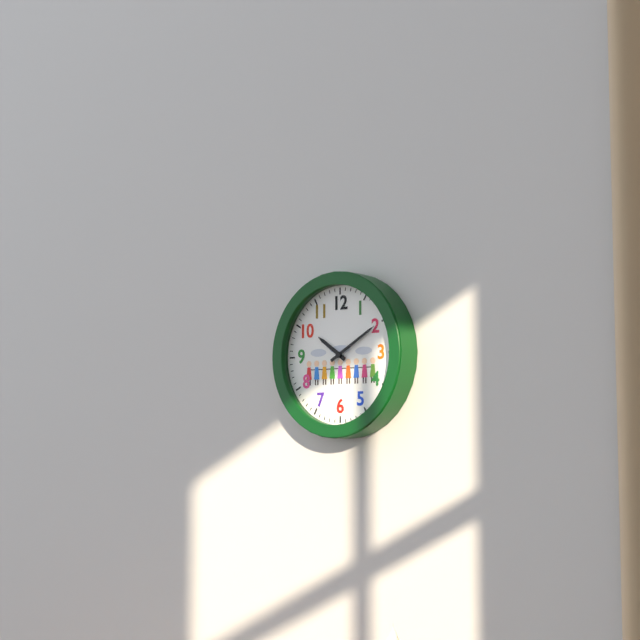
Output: {"hour": 10, "minute": 10}
